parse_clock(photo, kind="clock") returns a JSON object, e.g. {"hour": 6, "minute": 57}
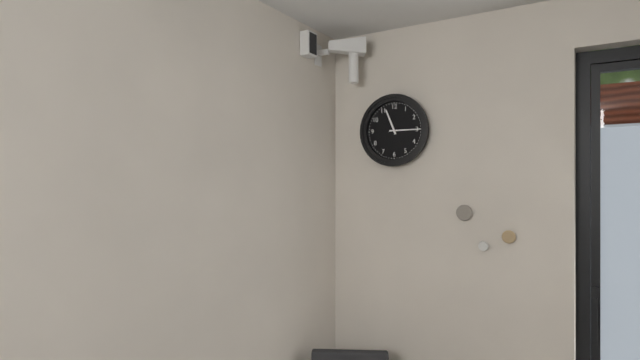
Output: {"hour": 11, "minute": 15}
